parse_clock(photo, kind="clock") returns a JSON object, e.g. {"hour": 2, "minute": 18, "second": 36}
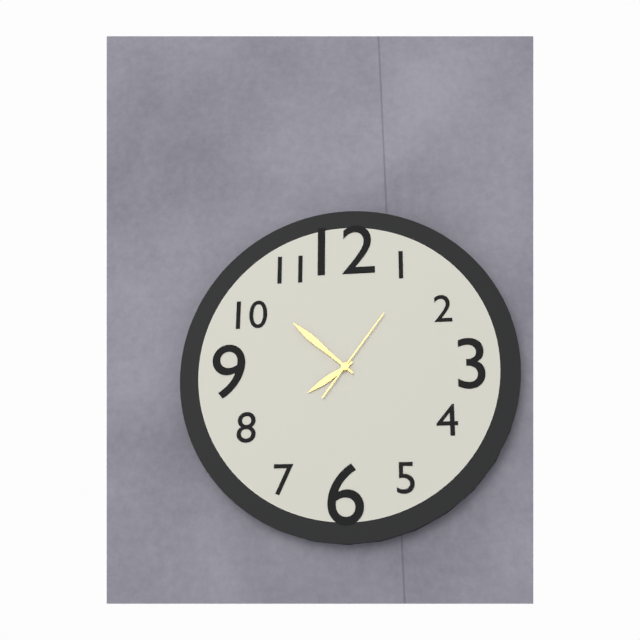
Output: {"hour": 7, "minute": 52, "second": 6}
